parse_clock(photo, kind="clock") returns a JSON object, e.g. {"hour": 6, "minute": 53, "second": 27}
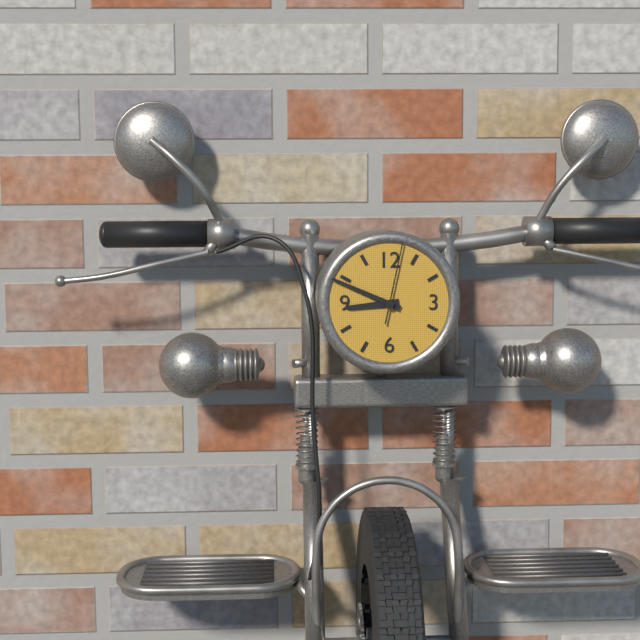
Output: {"hour": 8, "minute": 49, "second": 2}
